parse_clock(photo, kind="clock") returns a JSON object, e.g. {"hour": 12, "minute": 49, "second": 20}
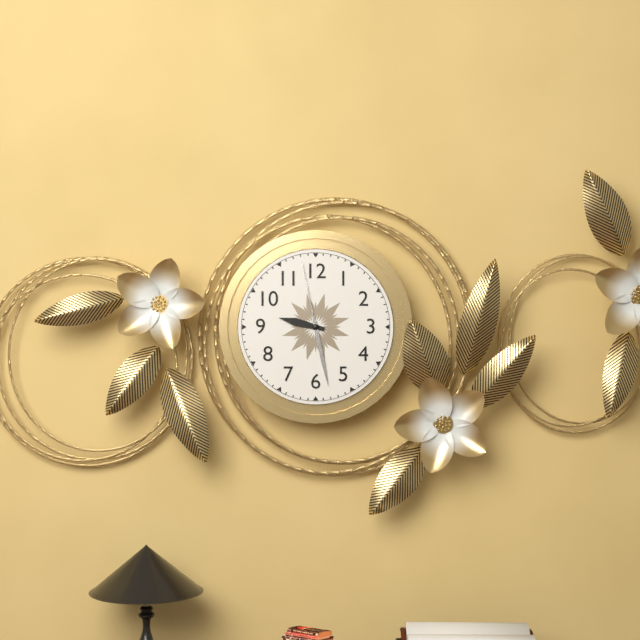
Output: {"hour": 9, "minute": 28, "second": 58}
